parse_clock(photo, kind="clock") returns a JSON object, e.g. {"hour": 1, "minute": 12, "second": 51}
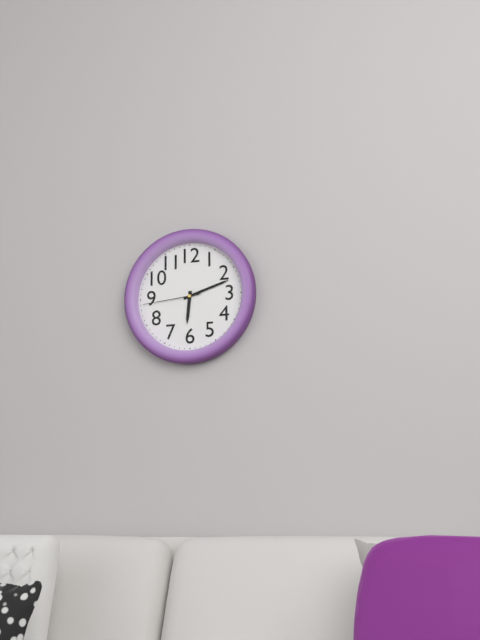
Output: {"hour": 6, "minute": 12, "second": 44}
